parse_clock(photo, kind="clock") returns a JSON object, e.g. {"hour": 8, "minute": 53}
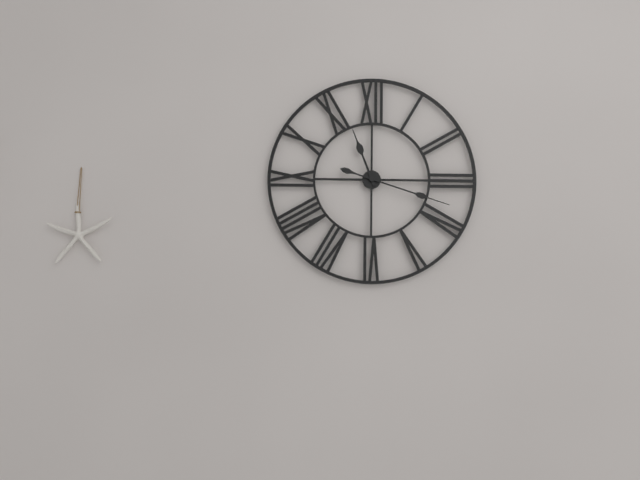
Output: {"hour": 11, "minute": 18}
